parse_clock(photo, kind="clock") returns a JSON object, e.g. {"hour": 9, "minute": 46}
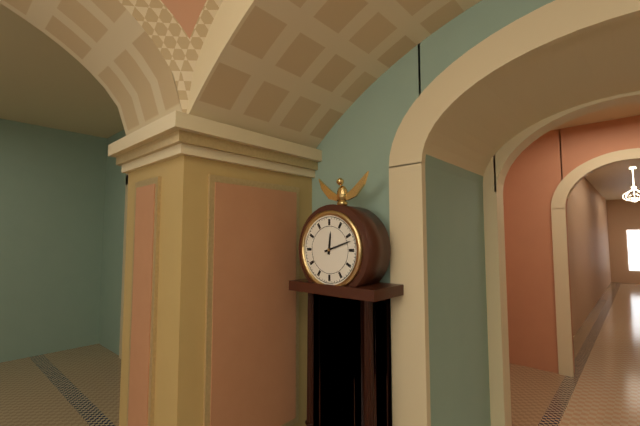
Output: {"hour": 12, "minute": 12}
